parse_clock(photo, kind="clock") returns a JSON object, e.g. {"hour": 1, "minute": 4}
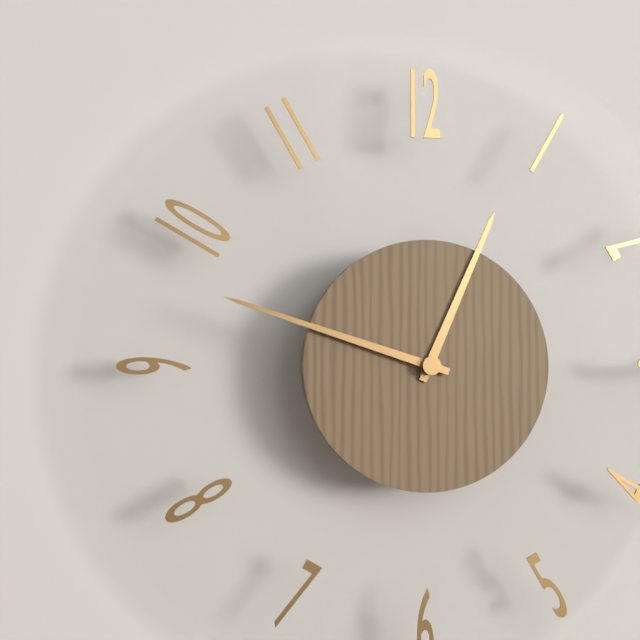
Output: {"hour": 12, "minute": 48}
